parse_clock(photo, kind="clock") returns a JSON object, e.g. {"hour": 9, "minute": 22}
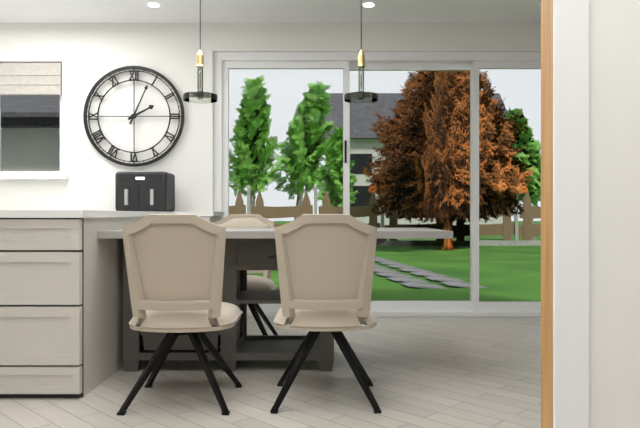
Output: {"hour": 2, "minute": 4}
